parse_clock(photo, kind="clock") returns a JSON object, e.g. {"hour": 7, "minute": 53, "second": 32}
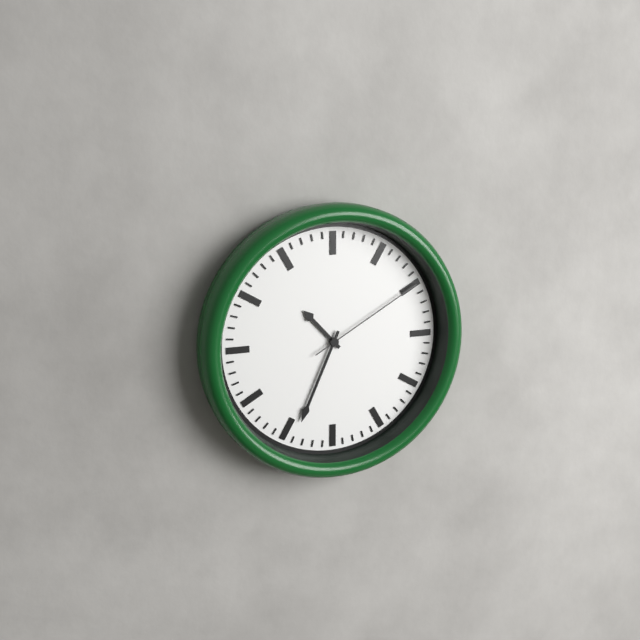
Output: {"hour": 10, "minute": 34, "second": 10}
